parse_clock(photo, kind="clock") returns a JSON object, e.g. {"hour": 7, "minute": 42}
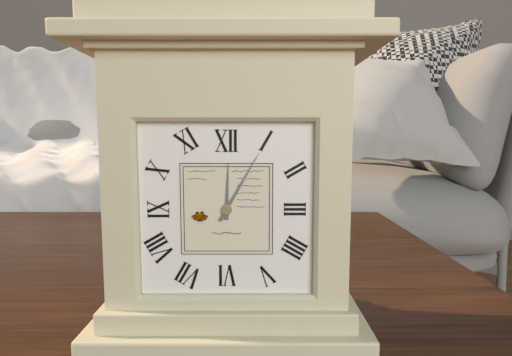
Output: {"hour": 12, "minute": 5}
